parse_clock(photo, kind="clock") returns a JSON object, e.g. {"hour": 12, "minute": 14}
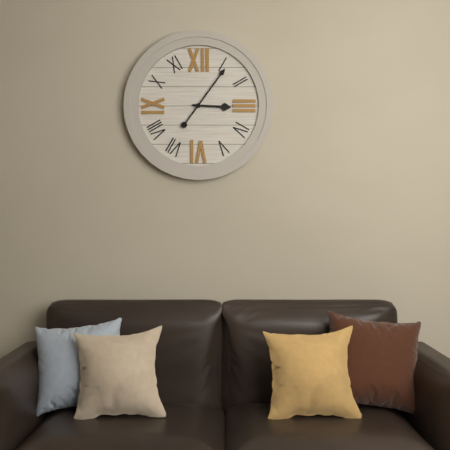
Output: {"hour": 3, "minute": 6}
